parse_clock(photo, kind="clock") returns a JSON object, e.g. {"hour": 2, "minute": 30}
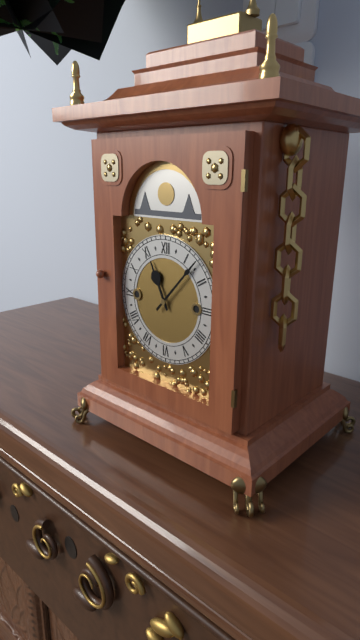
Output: {"hour": 11, "minute": 7}
